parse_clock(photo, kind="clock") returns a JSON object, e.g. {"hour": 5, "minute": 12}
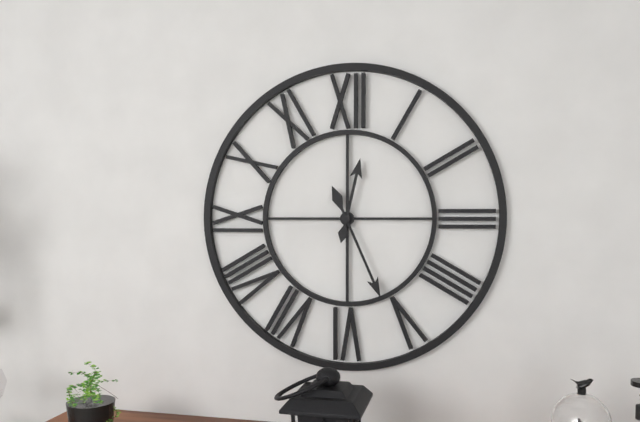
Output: {"hour": 12, "minute": 26}
